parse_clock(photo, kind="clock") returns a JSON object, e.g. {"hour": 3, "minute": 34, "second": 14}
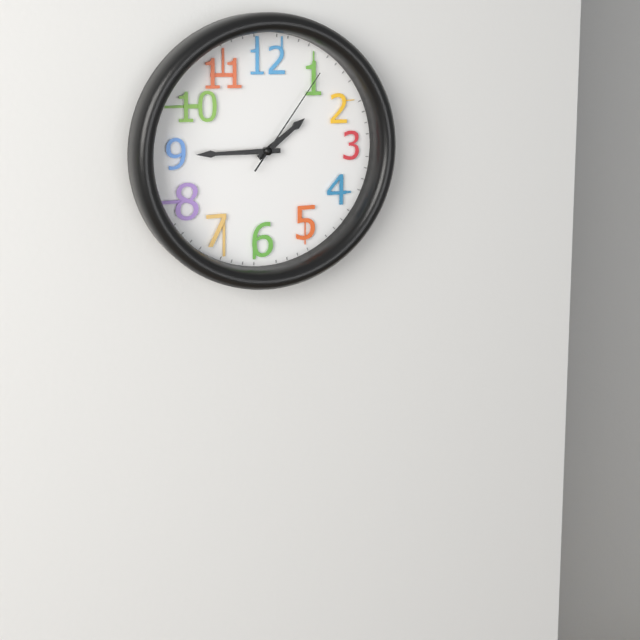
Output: {"hour": 1, "minute": 45, "second": 6}
